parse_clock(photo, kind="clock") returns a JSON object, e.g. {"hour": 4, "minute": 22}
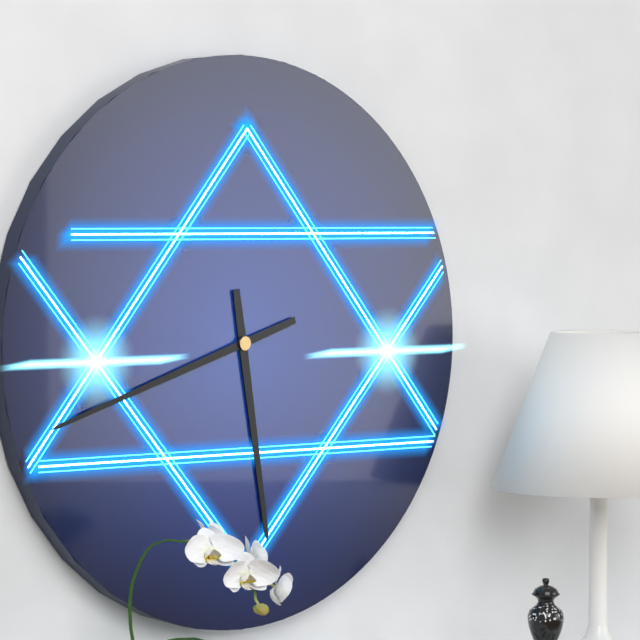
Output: {"hour": 5, "minute": 42}
